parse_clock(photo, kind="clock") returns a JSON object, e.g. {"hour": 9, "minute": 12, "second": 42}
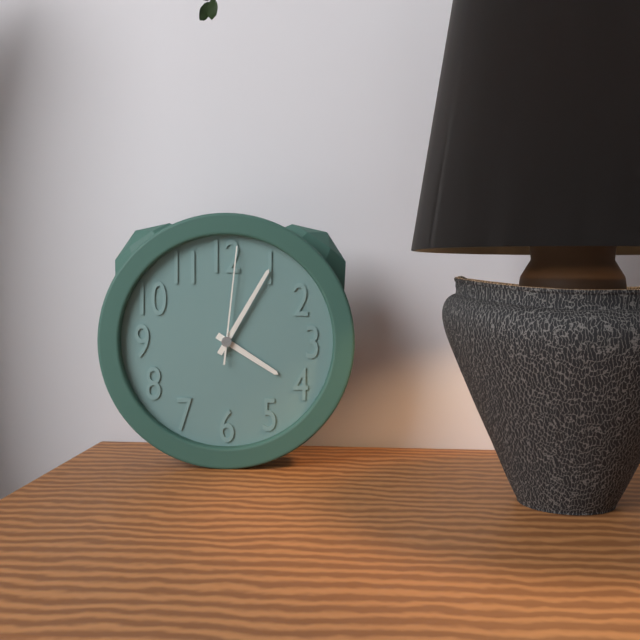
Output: {"hour": 4, "minute": 5, "second": 1}
